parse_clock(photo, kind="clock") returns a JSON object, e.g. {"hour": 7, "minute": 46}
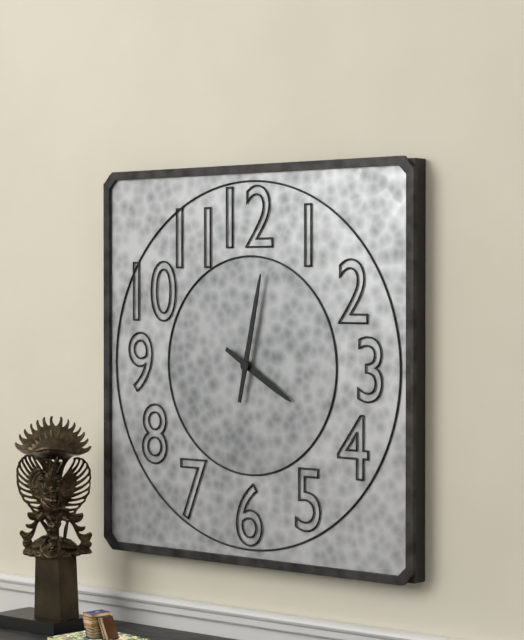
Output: {"hour": 4, "minute": 2}
